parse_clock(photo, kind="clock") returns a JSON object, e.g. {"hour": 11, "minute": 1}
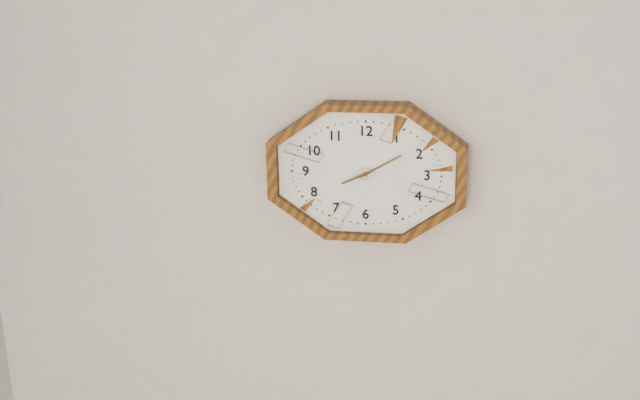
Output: {"hour": 8, "minute": 10}
